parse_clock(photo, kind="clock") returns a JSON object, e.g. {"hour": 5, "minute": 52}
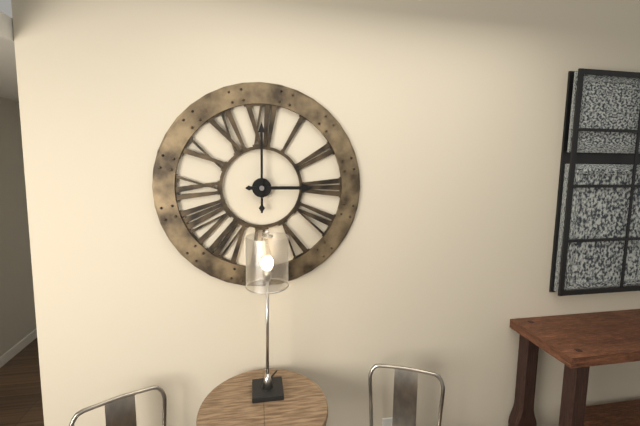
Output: {"hour": 3, "minute": 0}
